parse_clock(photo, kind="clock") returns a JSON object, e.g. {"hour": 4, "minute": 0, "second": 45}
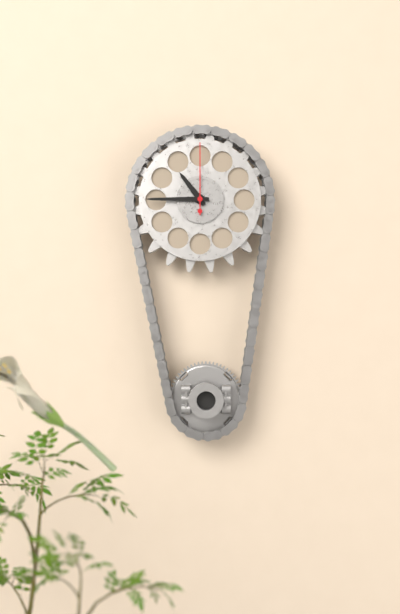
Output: {"hour": 10, "minute": 45, "second": 0}
